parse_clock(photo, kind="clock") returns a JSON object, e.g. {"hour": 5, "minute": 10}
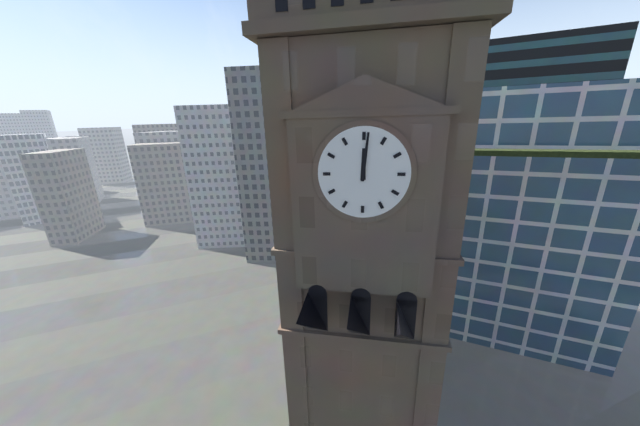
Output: {"hour": 12, "minute": 1}
